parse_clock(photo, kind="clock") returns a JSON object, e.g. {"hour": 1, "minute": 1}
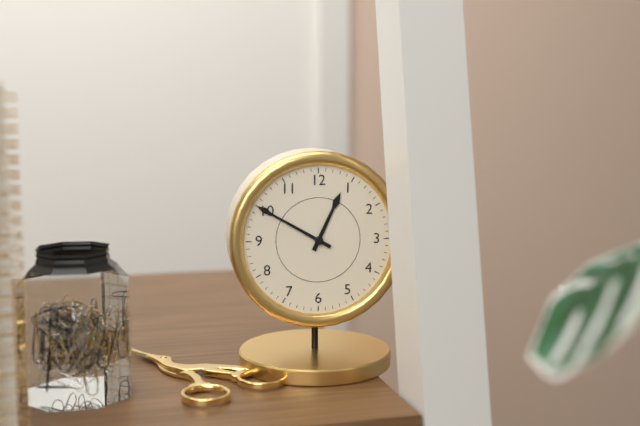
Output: {"hour": 12, "minute": 50}
